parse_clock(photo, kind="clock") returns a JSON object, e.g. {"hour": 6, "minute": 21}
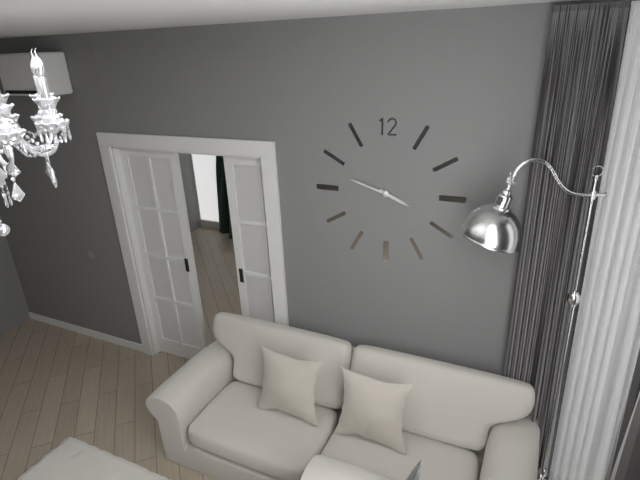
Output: {"hour": 3, "minute": 48}
